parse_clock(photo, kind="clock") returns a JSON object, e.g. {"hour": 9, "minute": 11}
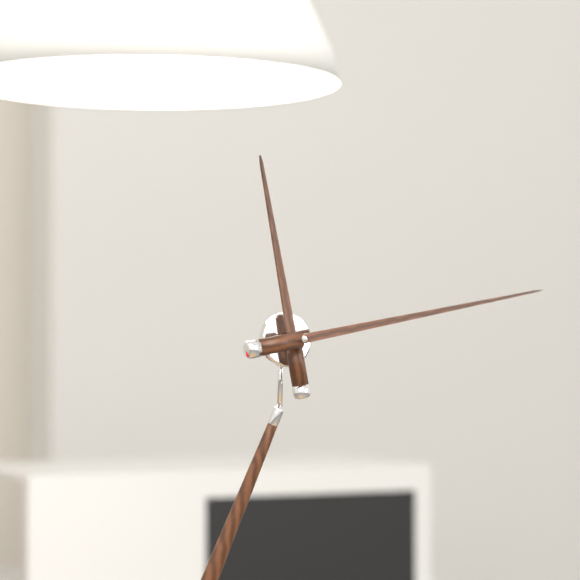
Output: {"hour": 11, "minute": 11}
